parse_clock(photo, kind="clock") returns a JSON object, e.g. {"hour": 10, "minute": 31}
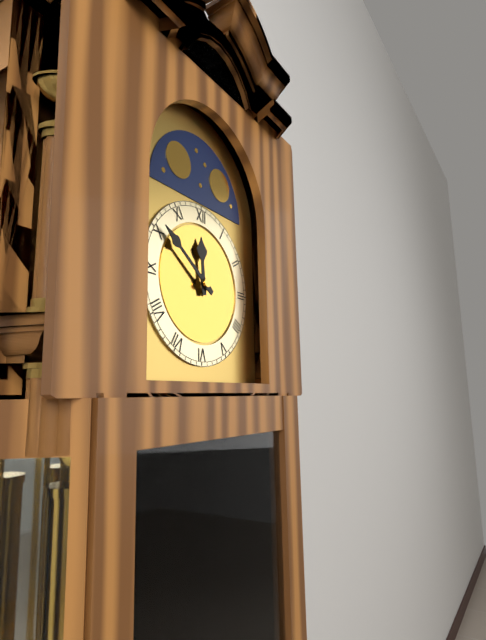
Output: {"hour": 11, "minute": 51}
